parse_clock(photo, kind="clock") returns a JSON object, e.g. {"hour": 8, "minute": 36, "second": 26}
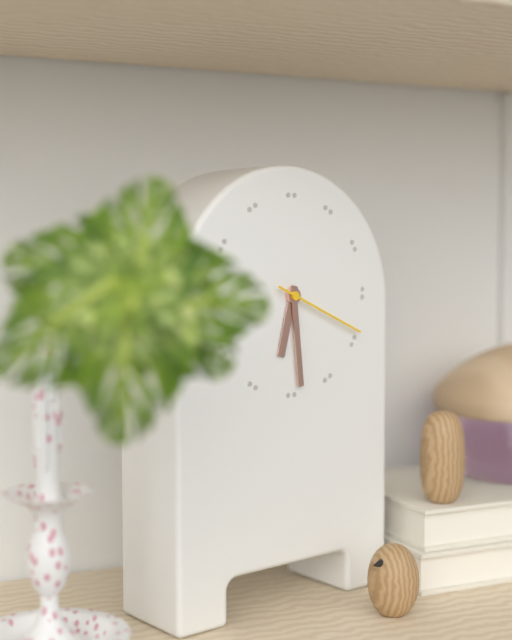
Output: {"hour": 6, "minute": 29, "second": 19}
